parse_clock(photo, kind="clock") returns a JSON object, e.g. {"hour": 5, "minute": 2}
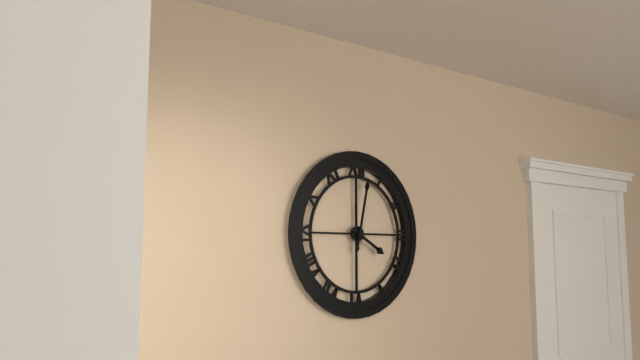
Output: {"hour": 4, "minute": 2}
